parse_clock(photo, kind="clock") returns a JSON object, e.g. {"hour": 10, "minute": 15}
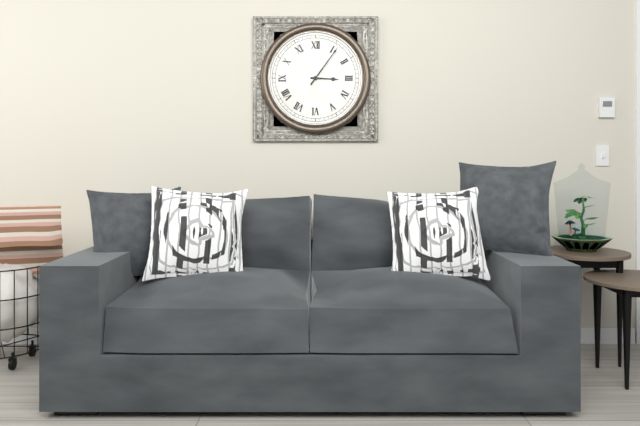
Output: {"hour": 3, "minute": 6}
